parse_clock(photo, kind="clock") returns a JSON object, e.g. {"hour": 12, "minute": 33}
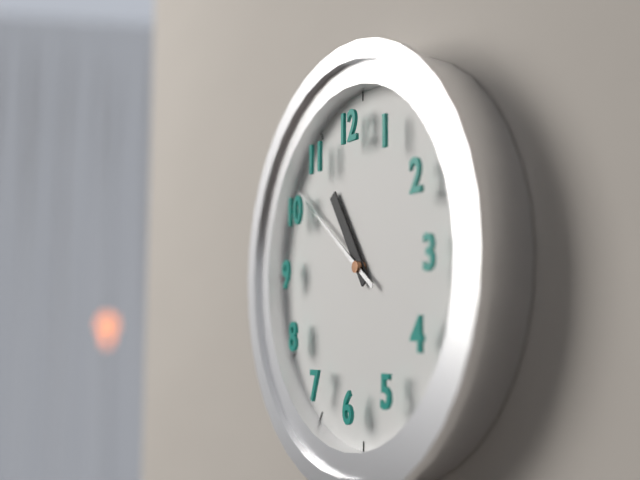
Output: {"hour": 10, "minute": 51}
